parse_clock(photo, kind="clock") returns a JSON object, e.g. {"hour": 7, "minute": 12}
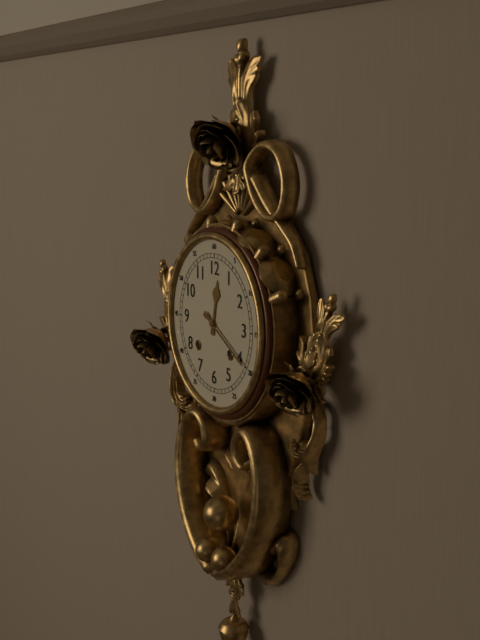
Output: {"hour": 12, "minute": 20}
